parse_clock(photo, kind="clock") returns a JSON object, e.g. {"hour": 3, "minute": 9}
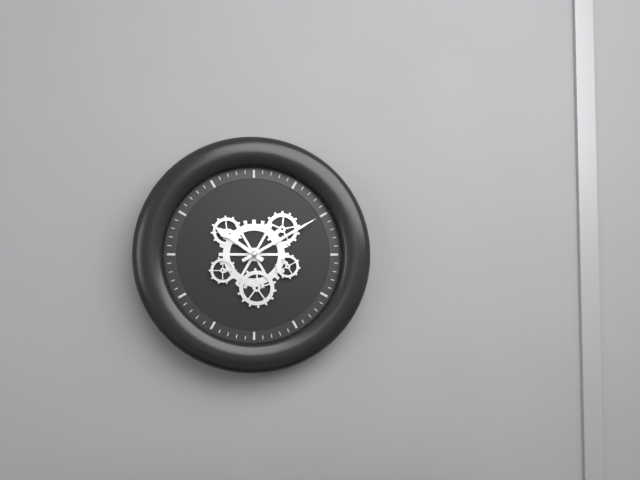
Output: {"hour": 10, "minute": 10}
